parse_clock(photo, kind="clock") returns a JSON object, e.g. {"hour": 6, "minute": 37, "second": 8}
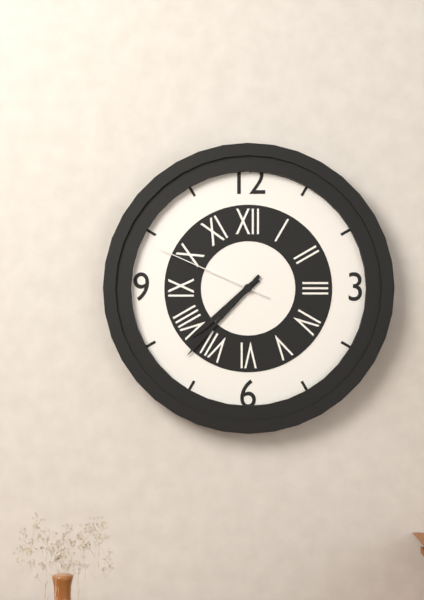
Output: {"hour": 7, "minute": 37, "second": 49}
